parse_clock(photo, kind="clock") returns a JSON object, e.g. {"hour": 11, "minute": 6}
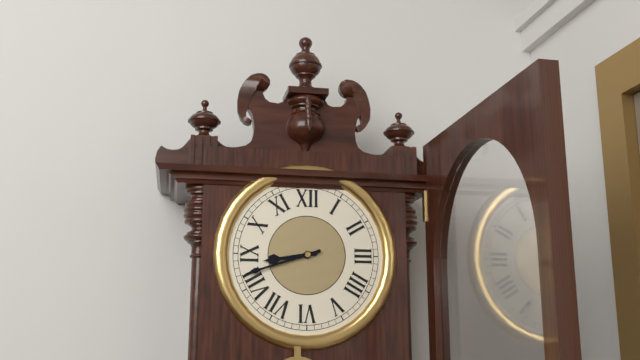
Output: {"hour": 8, "minute": 42}
